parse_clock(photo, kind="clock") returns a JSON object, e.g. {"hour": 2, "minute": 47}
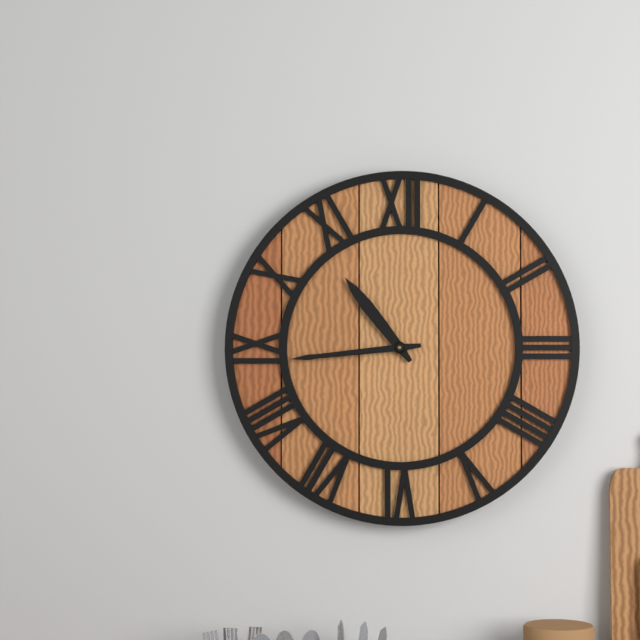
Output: {"hour": 10, "minute": 44}
